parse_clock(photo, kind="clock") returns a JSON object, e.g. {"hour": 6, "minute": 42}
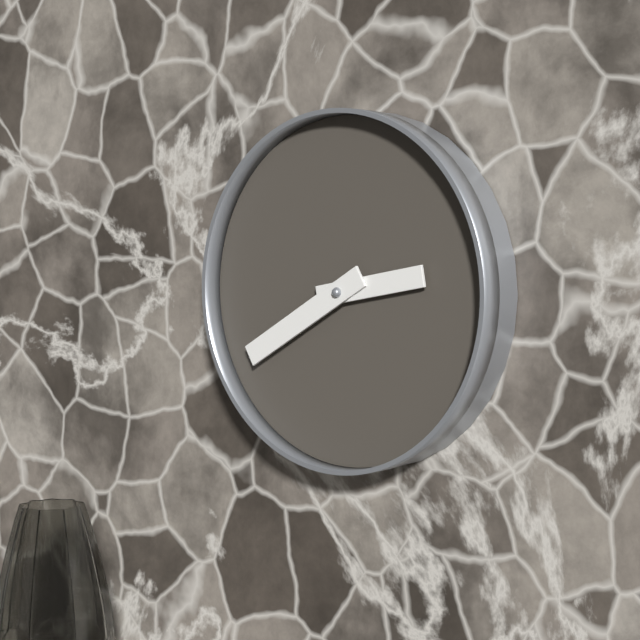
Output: {"hour": 2, "minute": 40}
